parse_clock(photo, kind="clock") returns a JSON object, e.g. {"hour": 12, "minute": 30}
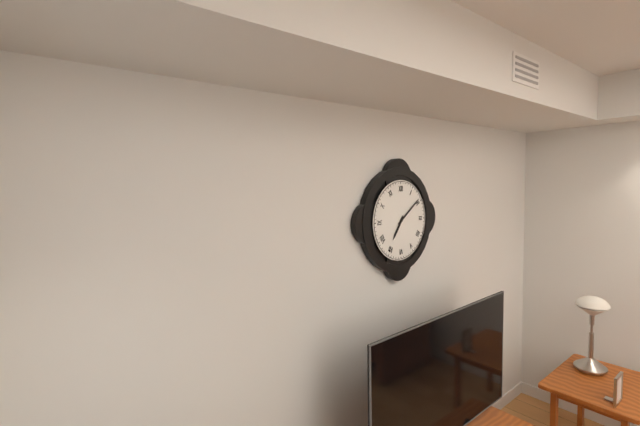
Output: {"hour": 7, "minute": 9}
